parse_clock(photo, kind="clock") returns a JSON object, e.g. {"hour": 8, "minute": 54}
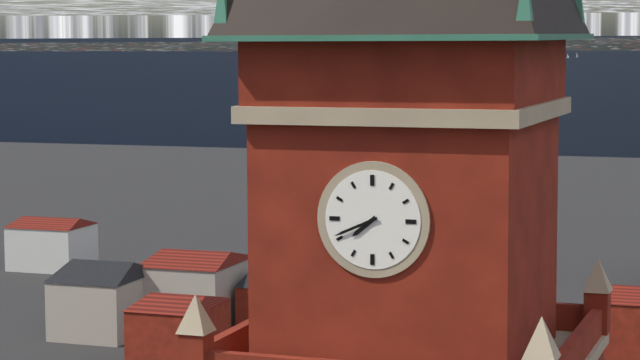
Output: {"hour": 7, "minute": 41}
